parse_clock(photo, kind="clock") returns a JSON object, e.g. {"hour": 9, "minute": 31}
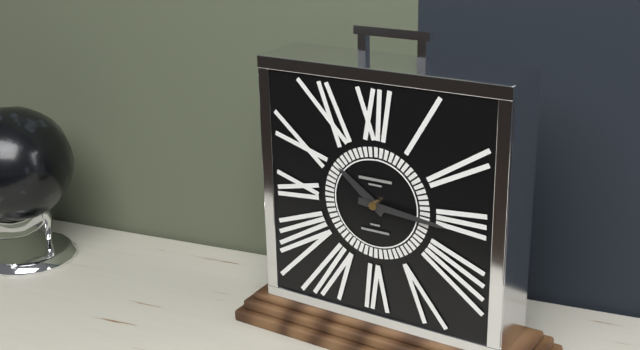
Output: {"hour": 10, "minute": 16}
